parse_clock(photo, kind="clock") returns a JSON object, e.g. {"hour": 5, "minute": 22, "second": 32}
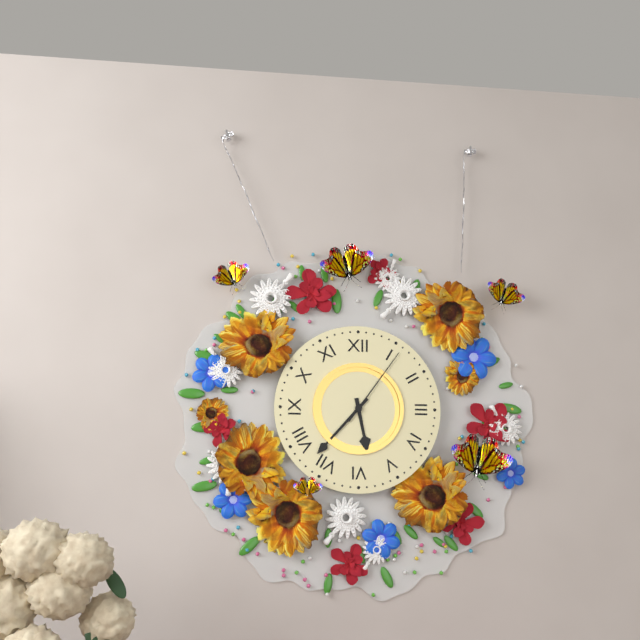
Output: {"hour": 5, "minute": 37, "second": 6}
